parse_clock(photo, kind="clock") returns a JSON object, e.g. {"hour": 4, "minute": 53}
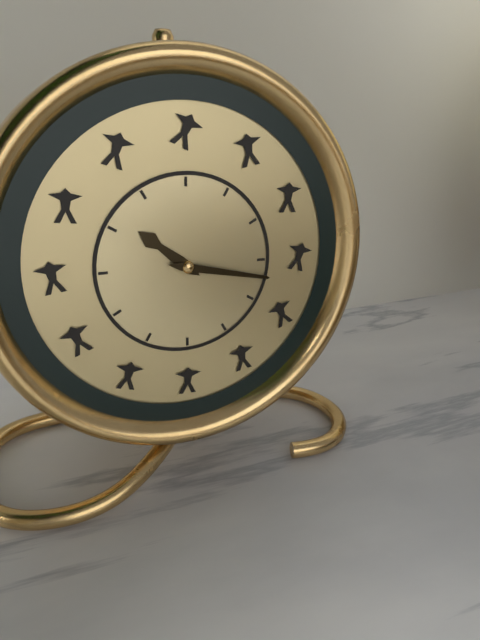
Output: {"hour": 10, "minute": 17}
